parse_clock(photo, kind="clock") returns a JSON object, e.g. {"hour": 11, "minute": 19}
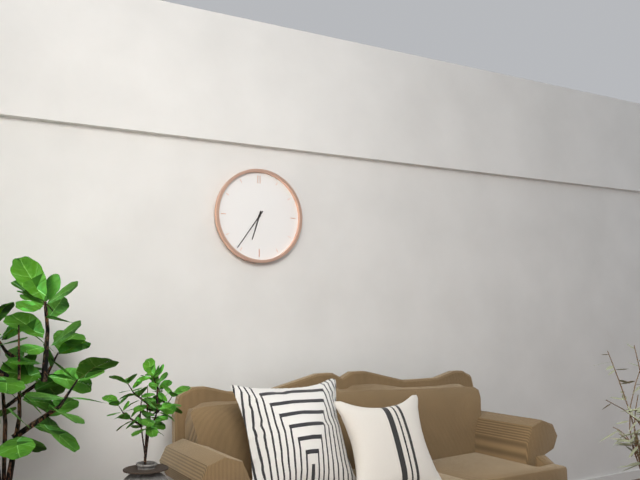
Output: {"hour": 6, "minute": 36}
